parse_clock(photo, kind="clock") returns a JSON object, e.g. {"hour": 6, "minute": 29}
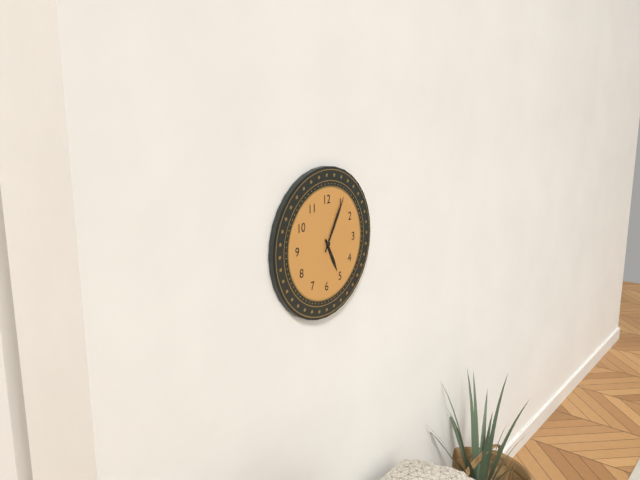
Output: {"hour": 5, "minute": 5}
